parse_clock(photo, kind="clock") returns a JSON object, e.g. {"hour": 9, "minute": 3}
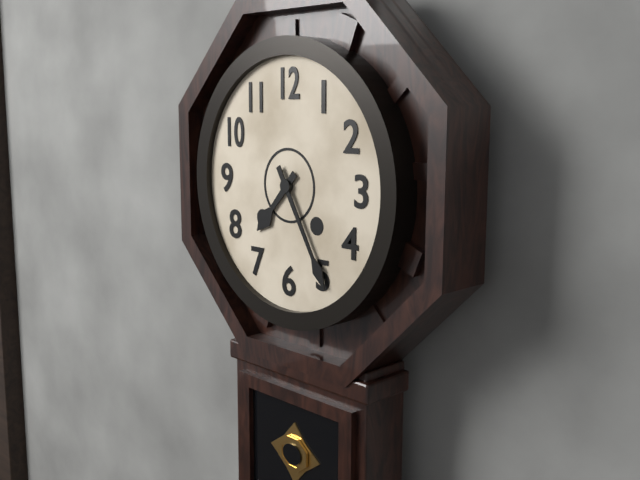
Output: {"hour": 7, "minute": 25}
